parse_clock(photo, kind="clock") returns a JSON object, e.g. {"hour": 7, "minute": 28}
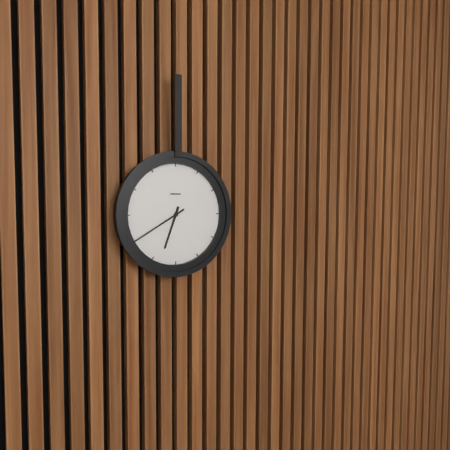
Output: {"hour": 6, "minute": 40}
